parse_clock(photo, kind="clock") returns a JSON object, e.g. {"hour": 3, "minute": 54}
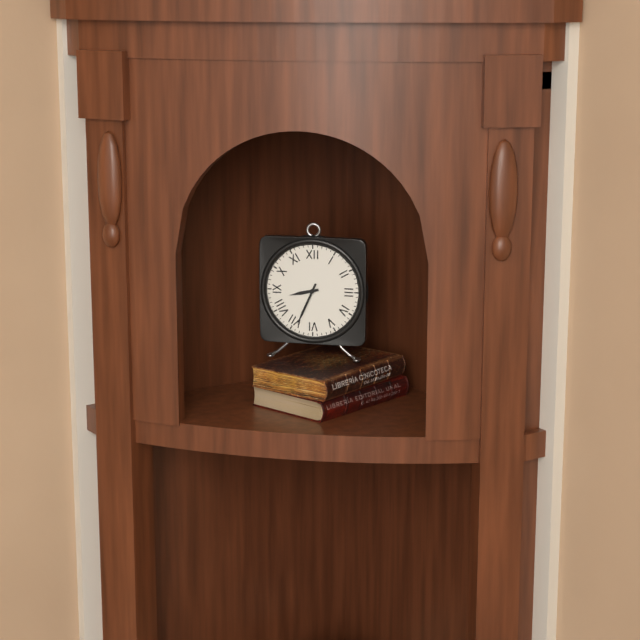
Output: {"hour": 8, "minute": 34}
